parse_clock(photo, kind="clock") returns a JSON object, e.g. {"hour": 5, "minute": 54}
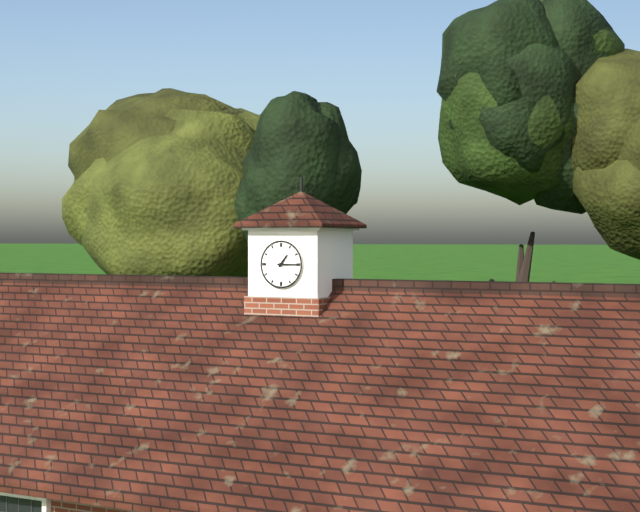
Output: {"hour": 1, "minute": 15}
